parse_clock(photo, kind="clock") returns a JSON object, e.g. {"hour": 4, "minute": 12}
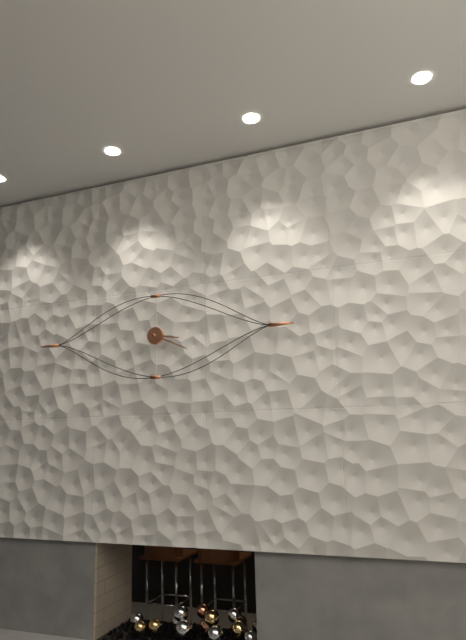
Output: {"hour": 3, "minute": 19}
